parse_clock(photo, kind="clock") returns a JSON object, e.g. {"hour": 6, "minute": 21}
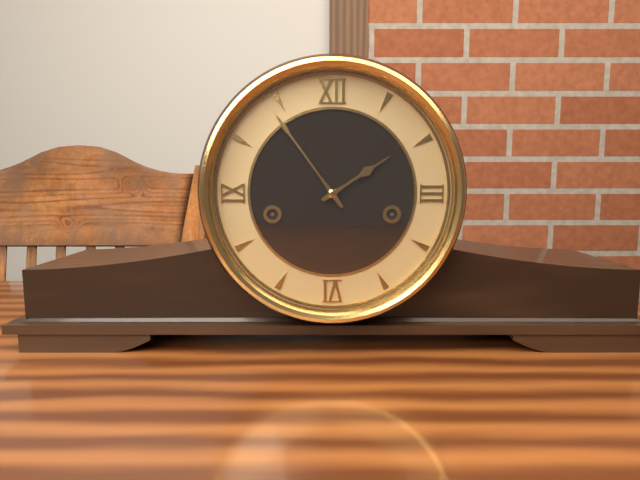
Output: {"hour": 1, "minute": 54}
